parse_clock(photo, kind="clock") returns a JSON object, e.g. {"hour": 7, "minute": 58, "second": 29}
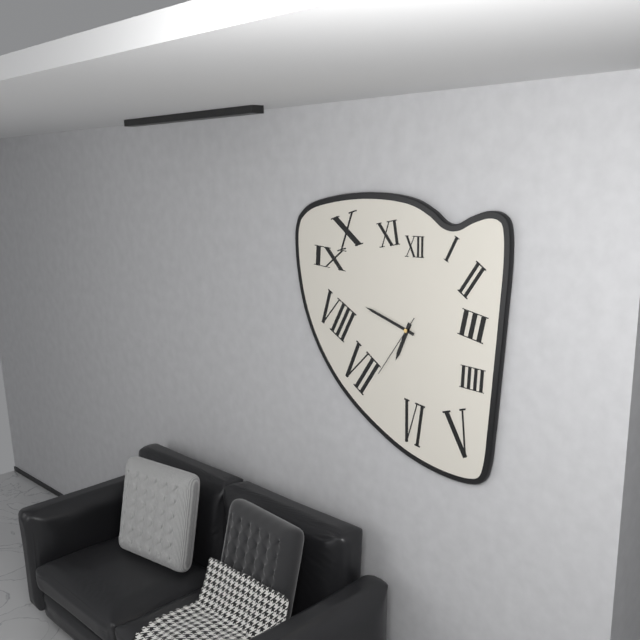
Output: {"hour": 6, "minute": 48, "second": 36}
